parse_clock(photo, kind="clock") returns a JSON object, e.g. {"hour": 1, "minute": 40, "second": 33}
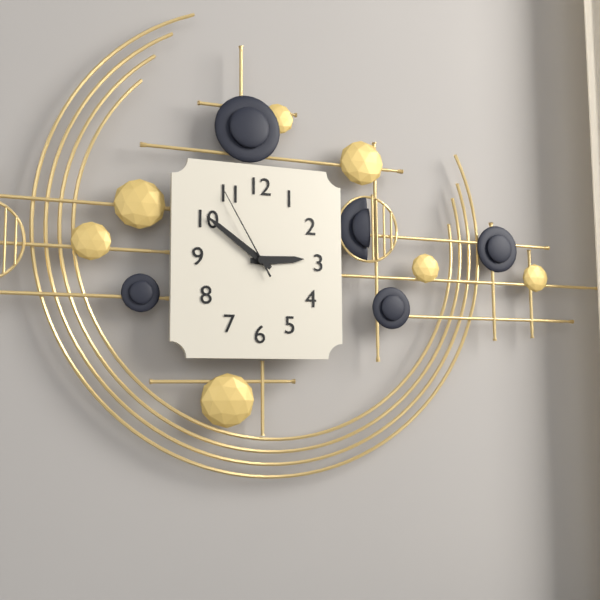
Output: {"hour": 2, "minute": 51, "second": 55}
